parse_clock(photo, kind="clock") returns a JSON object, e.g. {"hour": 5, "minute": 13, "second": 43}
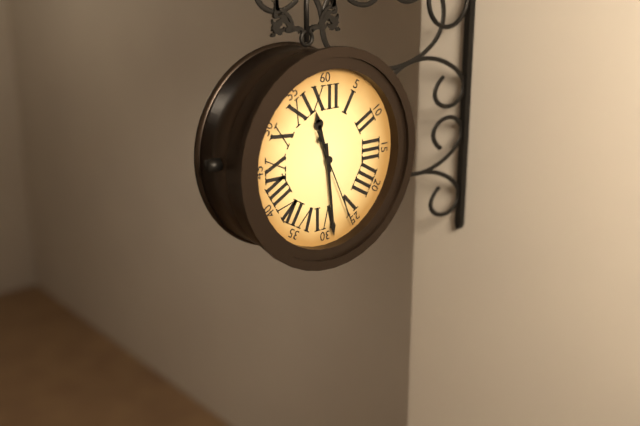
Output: {"hour": 11, "minute": 29, "second": 26}
